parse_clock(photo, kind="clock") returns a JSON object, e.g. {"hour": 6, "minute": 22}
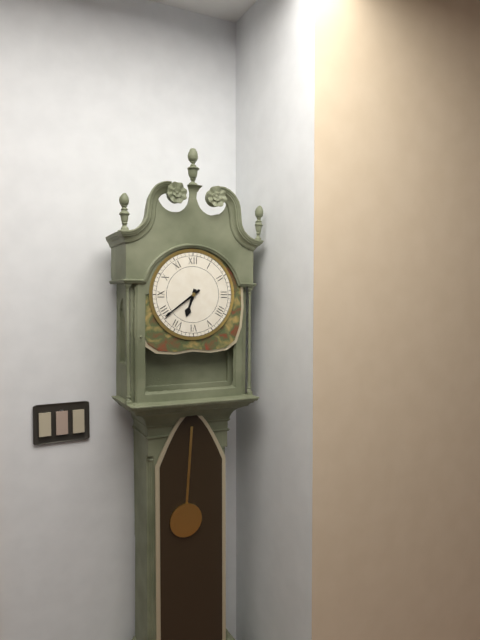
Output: {"hour": 6, "minute": 39}
